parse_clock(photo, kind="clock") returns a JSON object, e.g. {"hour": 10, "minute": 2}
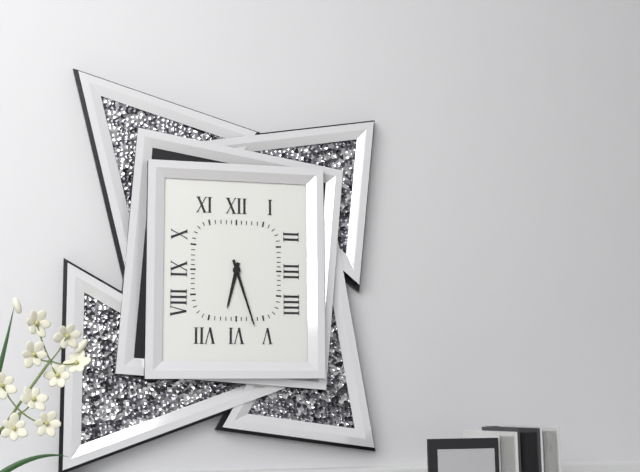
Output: {"hour": 6, "minute": 27}
